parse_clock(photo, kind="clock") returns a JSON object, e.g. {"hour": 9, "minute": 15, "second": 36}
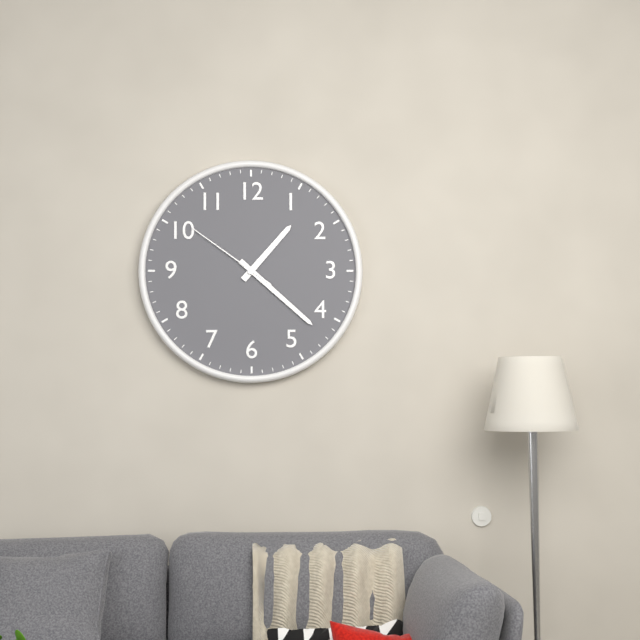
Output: {"hour": 1, "minute": 22, "second": 51}
